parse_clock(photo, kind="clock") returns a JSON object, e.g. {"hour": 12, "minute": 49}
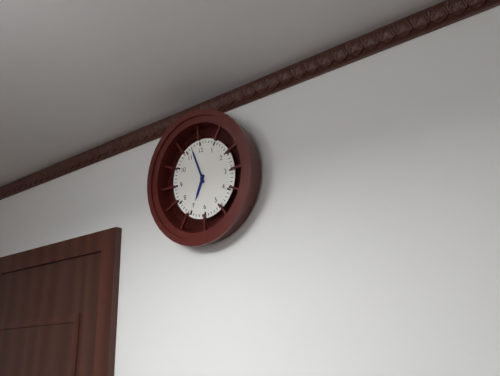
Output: {"hour": 6, "minute": 57}
